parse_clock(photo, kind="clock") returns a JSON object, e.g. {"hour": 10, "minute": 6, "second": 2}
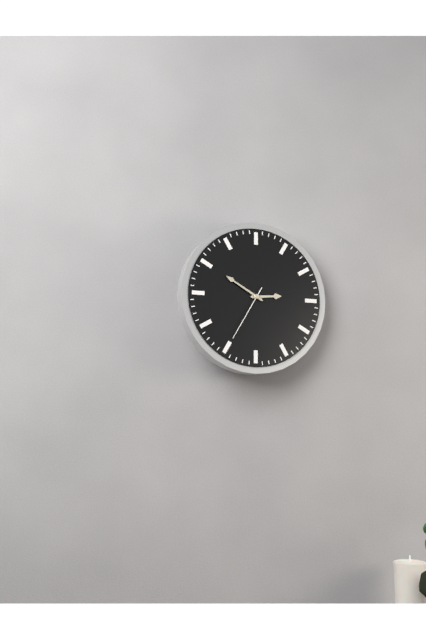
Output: {"hour": 2, "minute": 50, "second": 35}
